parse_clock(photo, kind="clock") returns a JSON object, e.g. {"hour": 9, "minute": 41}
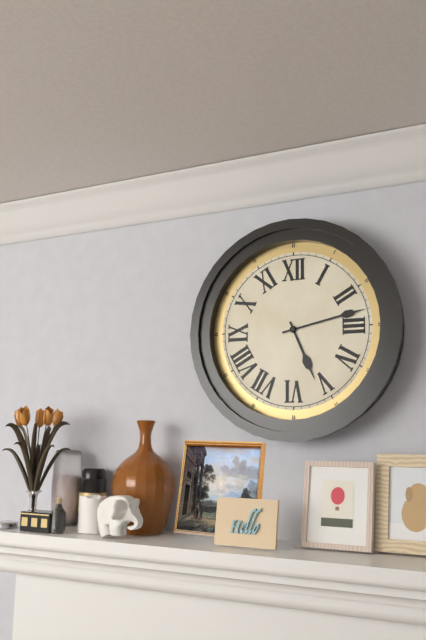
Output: {"hour": 5, "minute": 13}
